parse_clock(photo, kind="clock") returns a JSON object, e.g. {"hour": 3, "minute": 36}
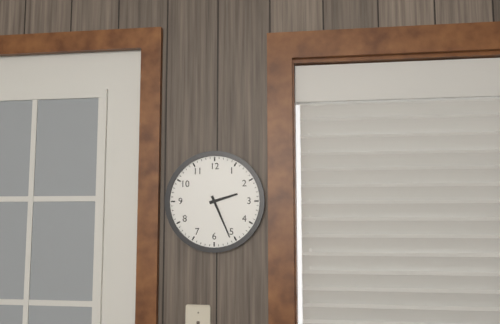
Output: {"hour": 2, "minute": 26}
